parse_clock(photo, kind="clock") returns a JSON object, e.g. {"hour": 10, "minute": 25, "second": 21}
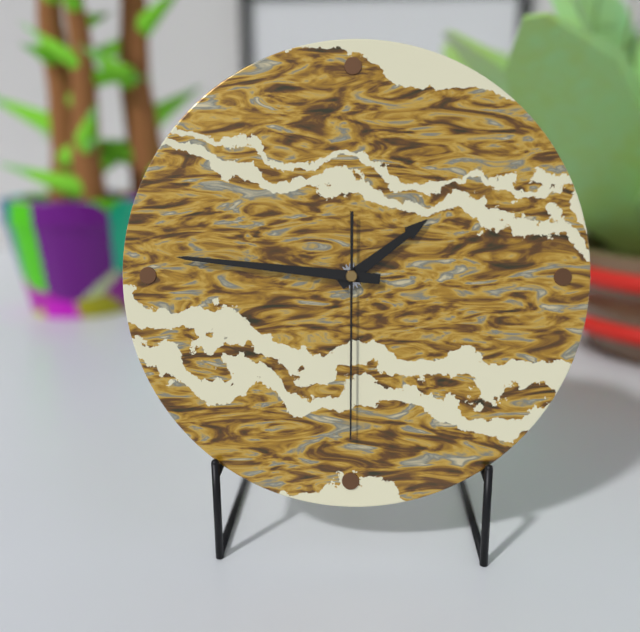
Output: {"hour": 1, "minute": 46, "second": 30}
